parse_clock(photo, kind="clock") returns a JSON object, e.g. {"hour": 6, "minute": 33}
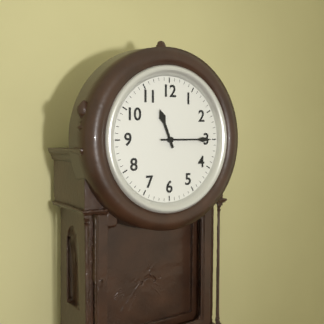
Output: {"hour": 11, "minute": 15}
